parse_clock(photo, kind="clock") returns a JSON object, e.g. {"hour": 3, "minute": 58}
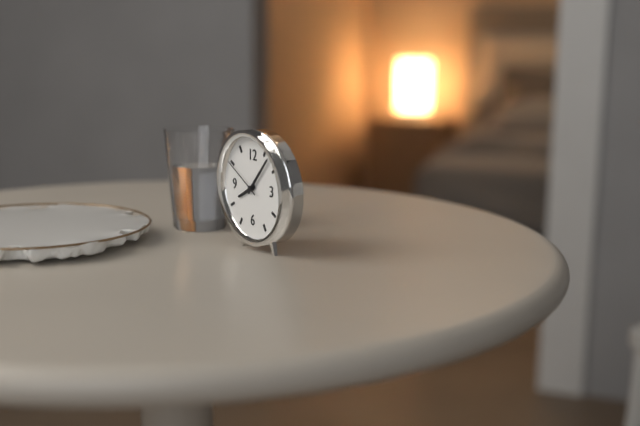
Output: {"hour": 8, "minute": 7}
